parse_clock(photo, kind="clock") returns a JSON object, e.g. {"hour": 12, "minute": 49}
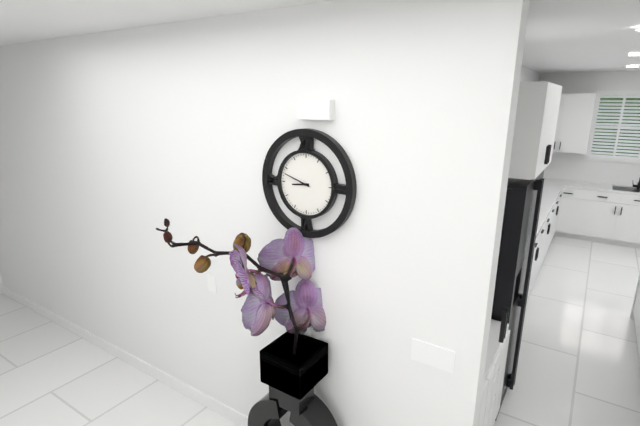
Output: {"hour": 8, "minute": 48}
